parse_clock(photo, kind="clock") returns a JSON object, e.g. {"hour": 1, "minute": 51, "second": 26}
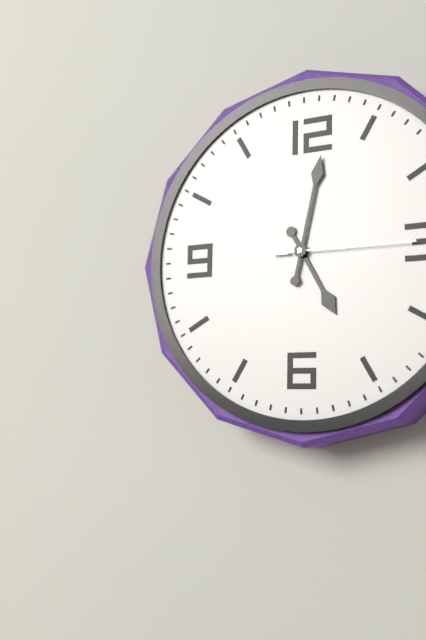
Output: {"hour": 5, "minute": 2, "second": 15}
